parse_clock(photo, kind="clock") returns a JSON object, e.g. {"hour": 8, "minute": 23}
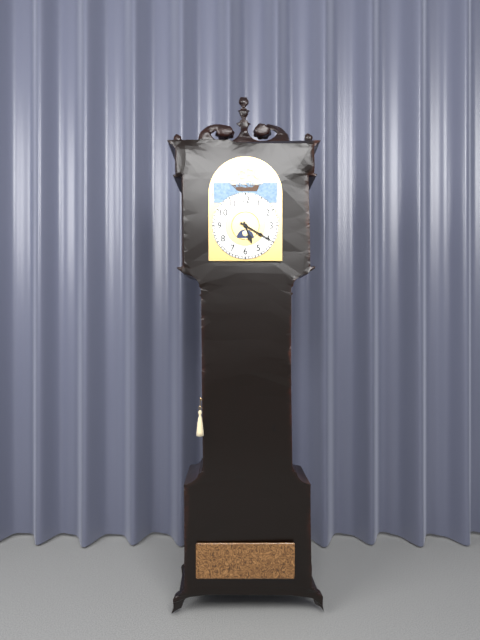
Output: {"hour": 5, "minute": 20}
